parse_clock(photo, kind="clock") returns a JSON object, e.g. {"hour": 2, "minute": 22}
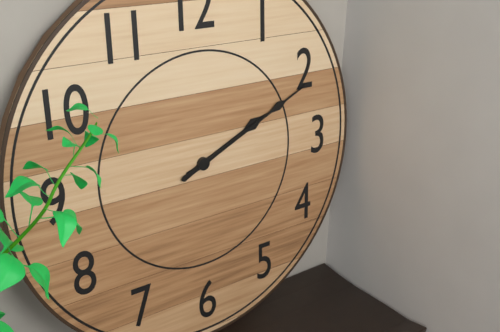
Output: {"hour": 2, "minute": 11}
